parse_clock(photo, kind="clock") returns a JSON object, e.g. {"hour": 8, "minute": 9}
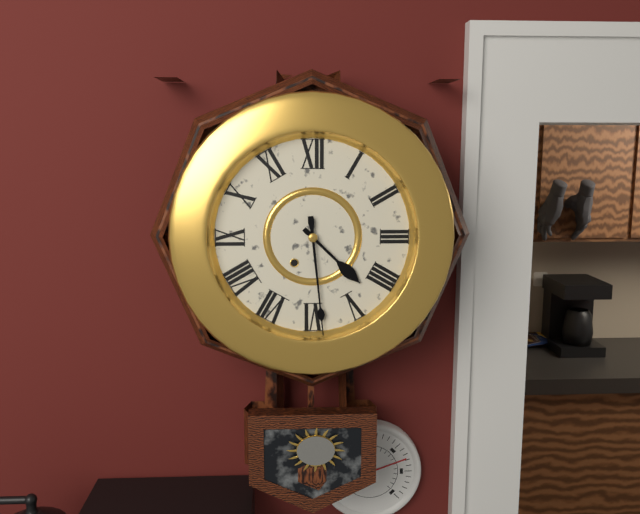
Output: {"hour": 4, "minute": 29}
